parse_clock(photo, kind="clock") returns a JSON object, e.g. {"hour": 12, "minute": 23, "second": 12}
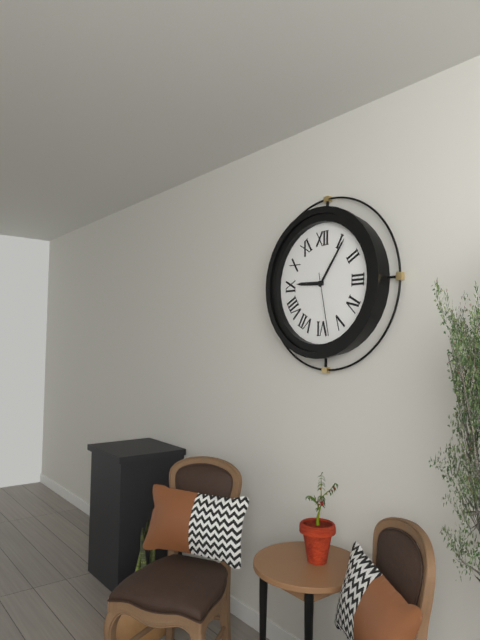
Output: {"hour": 9, "minute": 6, "second": 28}
